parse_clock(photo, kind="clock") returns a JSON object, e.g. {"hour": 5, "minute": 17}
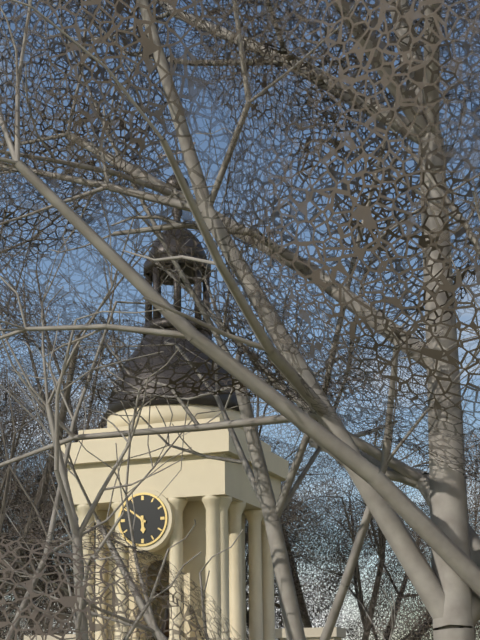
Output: {"hour": 5, "minute": 51}
